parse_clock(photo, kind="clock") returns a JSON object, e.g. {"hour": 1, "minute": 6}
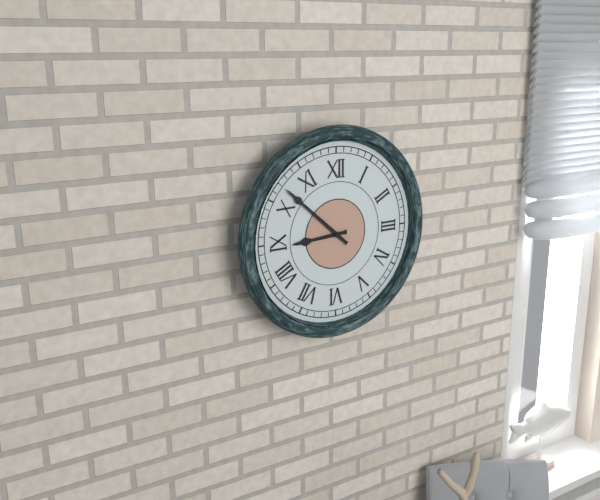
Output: {"hour": 8, "minute": 52}
